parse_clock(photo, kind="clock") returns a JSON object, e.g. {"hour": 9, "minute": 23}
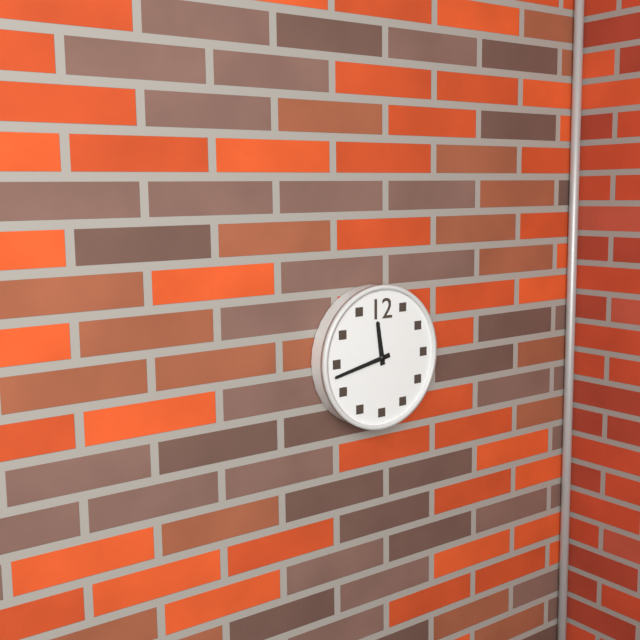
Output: {"hour": 11, "minute": 43}
